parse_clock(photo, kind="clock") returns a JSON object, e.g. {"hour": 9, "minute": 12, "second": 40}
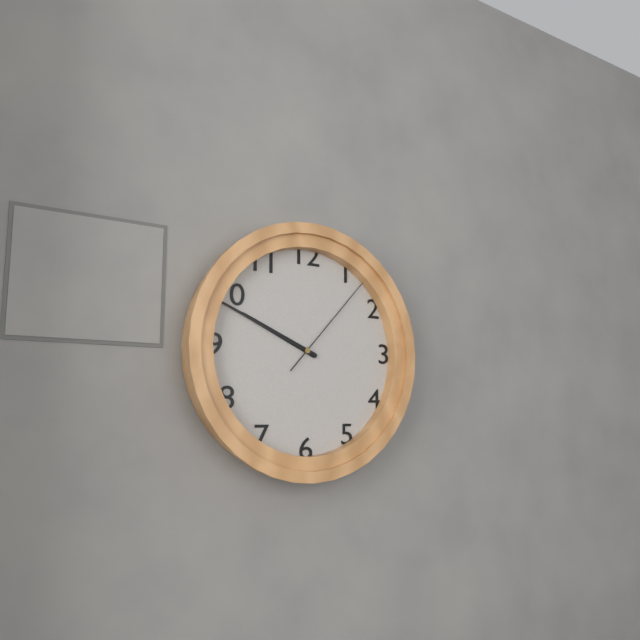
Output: {"hour": 9, "minute": 49, "second": 7}
